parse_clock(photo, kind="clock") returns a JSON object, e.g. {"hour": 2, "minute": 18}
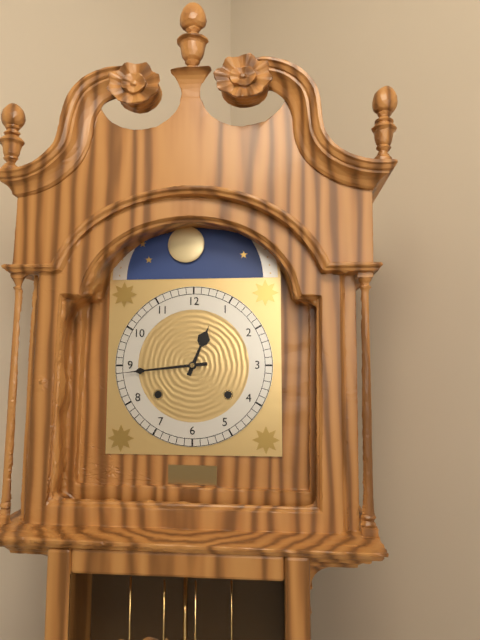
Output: {"hour": 12, "minute": 44}
